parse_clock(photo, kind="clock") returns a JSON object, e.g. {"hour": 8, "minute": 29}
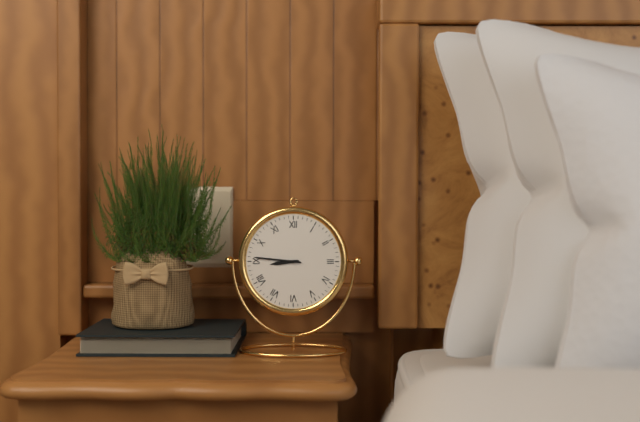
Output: {"hour": 8, "minute": 46}
